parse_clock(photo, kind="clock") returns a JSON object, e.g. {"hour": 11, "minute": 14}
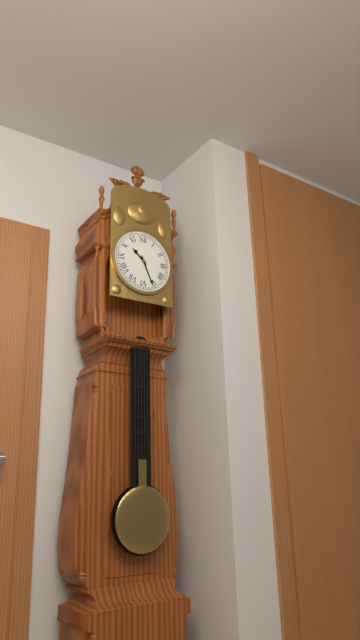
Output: {"hour": 10, "minute": 26}
